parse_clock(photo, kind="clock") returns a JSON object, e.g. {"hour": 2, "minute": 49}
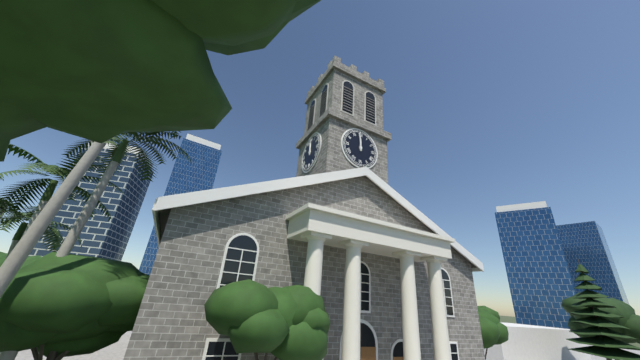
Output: {"hour": 11, "minute": 59}
